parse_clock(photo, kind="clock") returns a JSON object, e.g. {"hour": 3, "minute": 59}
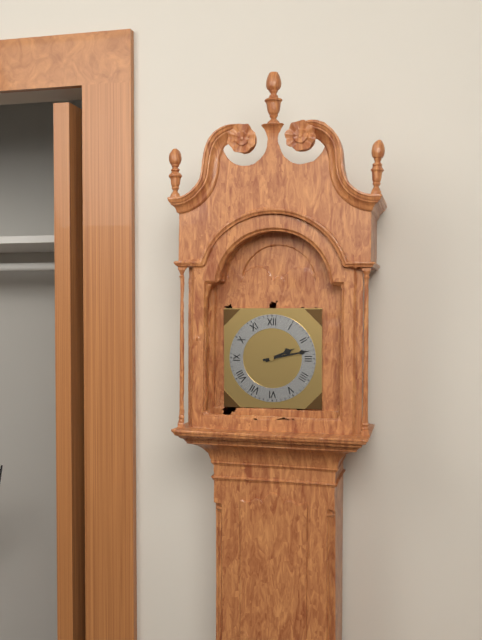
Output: {"hour": 2, "minute": 13}
